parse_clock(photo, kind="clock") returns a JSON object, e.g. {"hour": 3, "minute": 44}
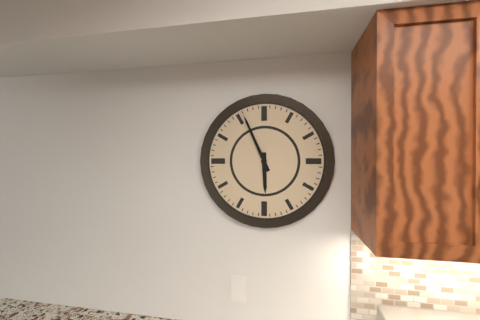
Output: {"hour": 5, "minute": 56}
